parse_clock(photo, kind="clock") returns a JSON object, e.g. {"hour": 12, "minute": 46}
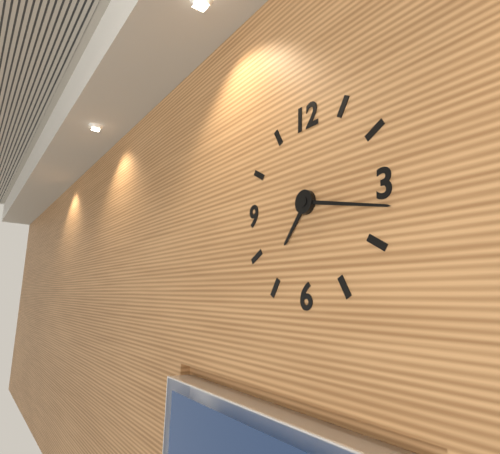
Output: {"hour": 7, "minute": 17}
